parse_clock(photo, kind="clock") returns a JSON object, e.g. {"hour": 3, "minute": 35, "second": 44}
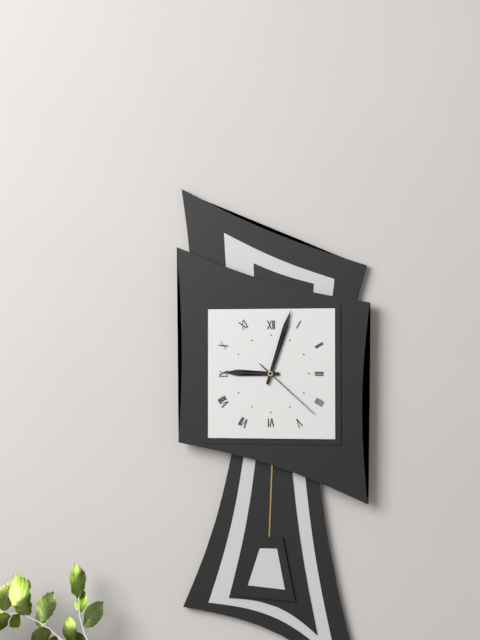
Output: {"hour": 9, "minute": 3, "second": 22}
